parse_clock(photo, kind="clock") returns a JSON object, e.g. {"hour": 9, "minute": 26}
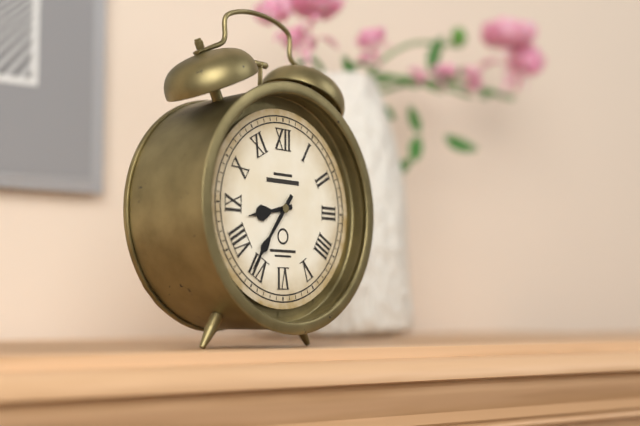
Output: {"hour": 8, "minute": 36}
